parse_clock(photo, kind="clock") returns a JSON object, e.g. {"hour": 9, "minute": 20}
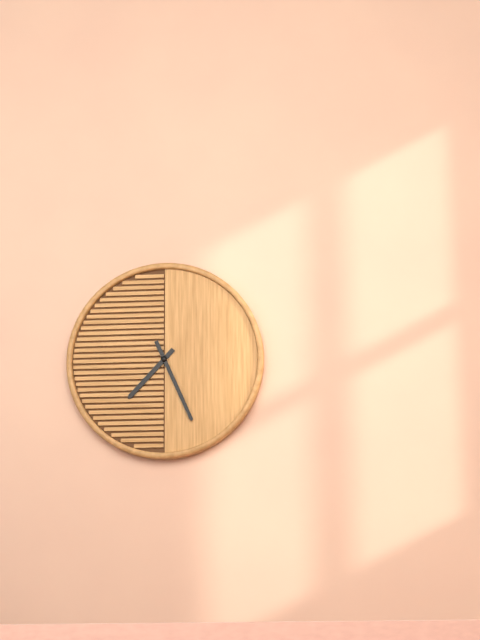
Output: {"hour": 7, "minute": 26}
